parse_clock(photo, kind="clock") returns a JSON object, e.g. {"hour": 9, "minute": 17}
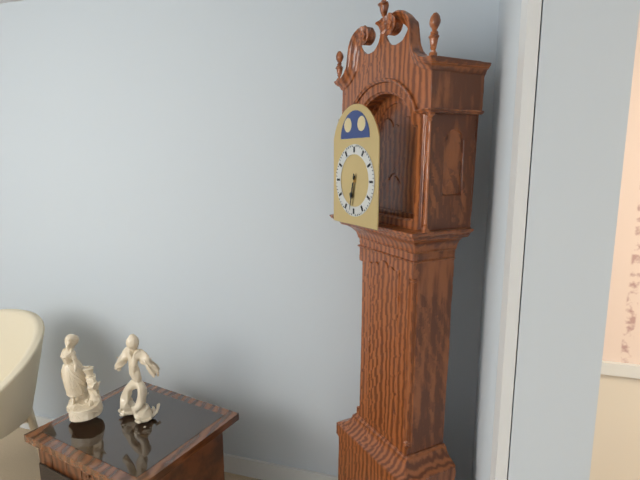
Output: {"hour": 6, "minute": 32}
